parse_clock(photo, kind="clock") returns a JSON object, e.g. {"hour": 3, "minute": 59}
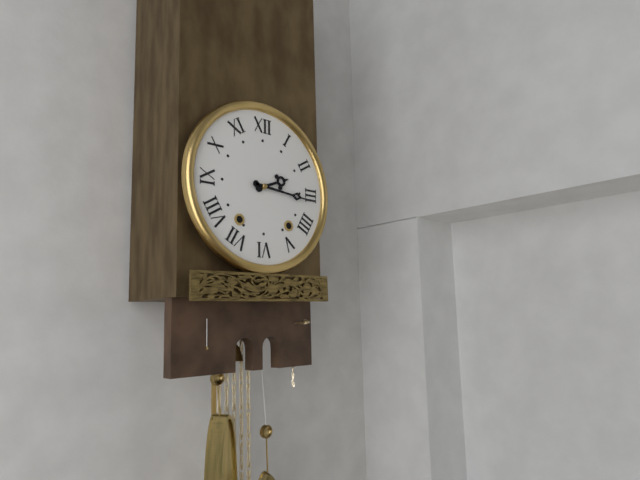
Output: {"hour": 2, "minute": 16}
